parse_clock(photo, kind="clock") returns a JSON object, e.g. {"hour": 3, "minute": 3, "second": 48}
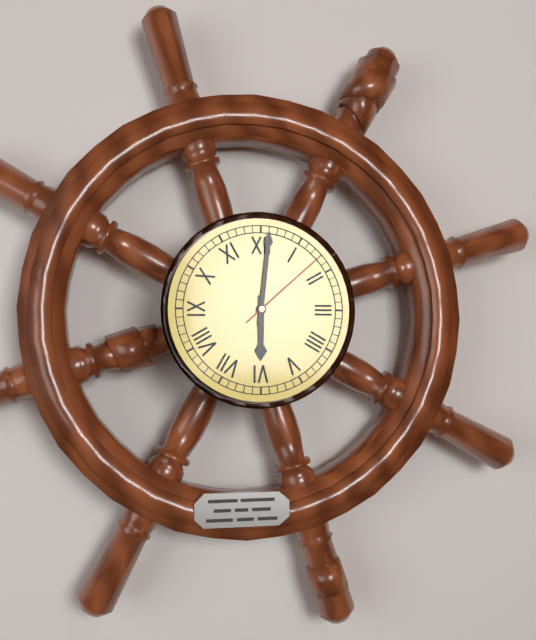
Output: {"hour": 6, "minute": 1, "second": 8}
